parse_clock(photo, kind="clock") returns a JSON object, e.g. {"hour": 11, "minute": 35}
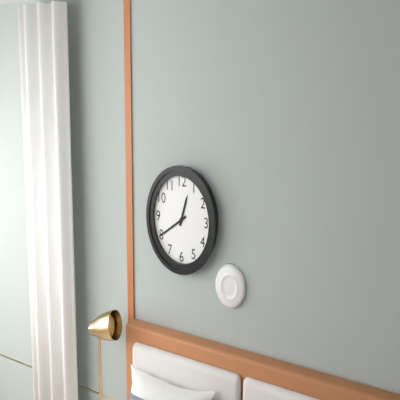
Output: {"hour": 12, "minute": 40}
